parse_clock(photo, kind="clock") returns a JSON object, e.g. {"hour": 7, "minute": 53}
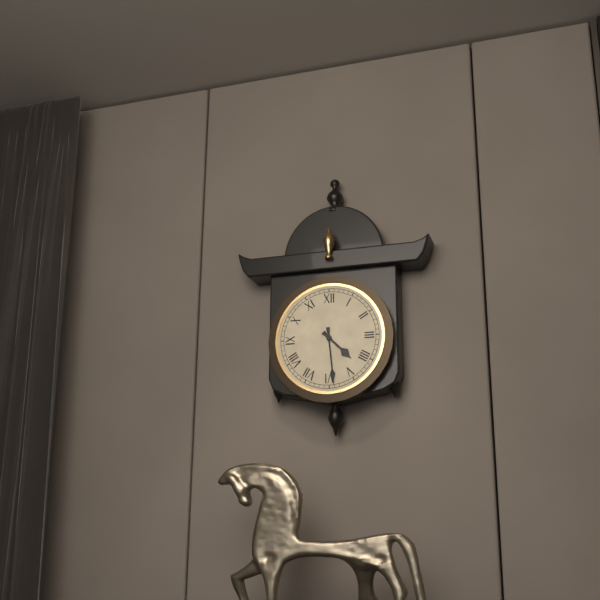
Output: {"hour": 4, "minute": 29}
